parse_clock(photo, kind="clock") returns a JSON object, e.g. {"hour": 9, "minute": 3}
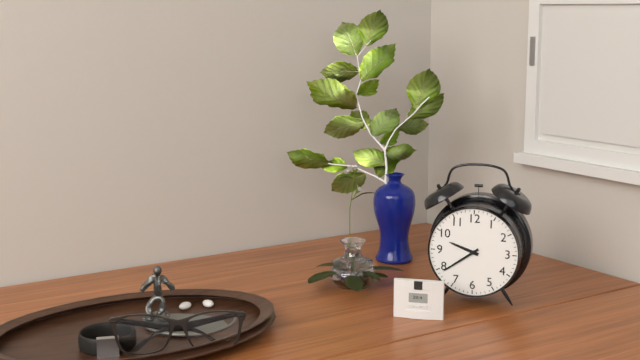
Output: {"hour": 9, "minute": 39}
